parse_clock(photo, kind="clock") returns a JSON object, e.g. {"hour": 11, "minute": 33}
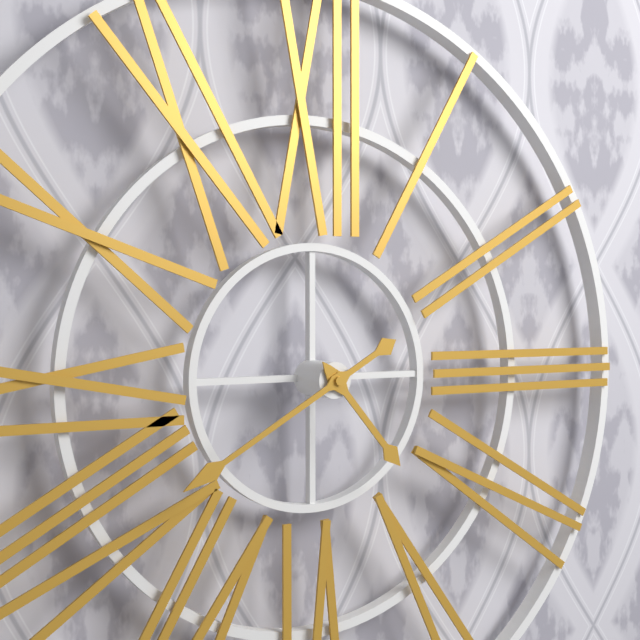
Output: {"hour": 4, "minute": 40}
